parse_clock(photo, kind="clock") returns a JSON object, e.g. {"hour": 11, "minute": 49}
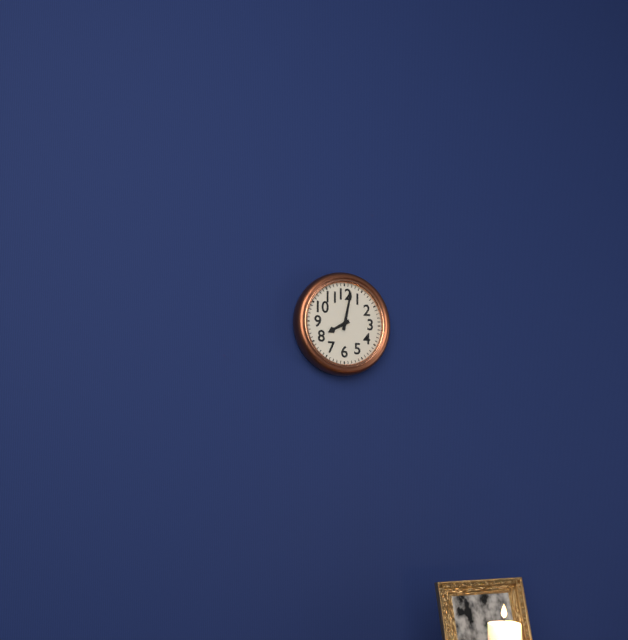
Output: {"hour": 8, "minute": 2}
